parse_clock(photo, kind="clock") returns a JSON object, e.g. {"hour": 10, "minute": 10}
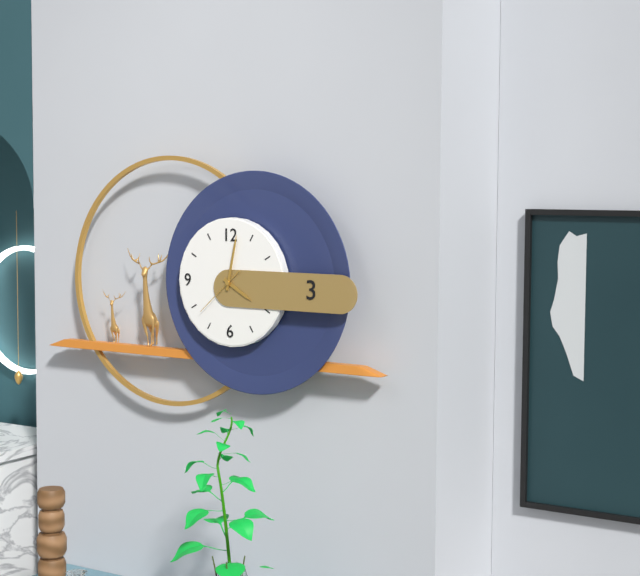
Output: {"hour": 4, "minute": 2}
